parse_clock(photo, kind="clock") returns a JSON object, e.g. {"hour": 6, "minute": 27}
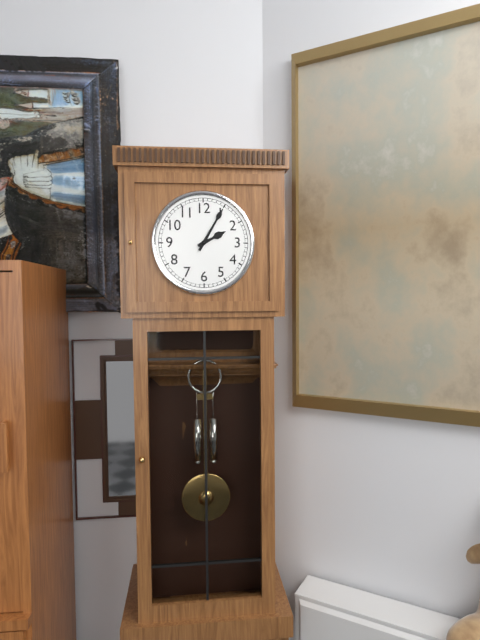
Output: {"hour": 2, "minute": 5}
